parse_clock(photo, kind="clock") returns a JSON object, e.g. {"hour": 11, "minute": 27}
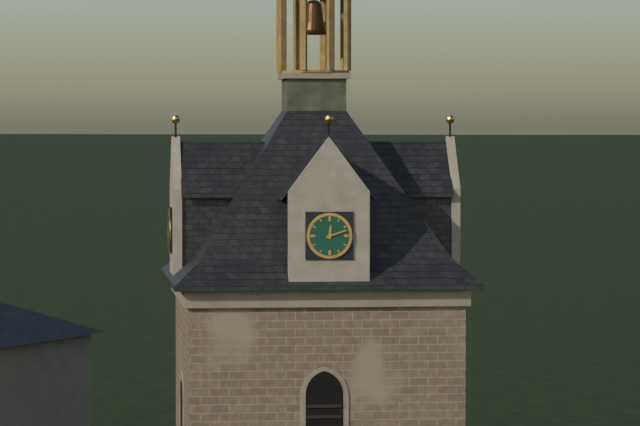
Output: {"hour": 12, "minute": 12}
